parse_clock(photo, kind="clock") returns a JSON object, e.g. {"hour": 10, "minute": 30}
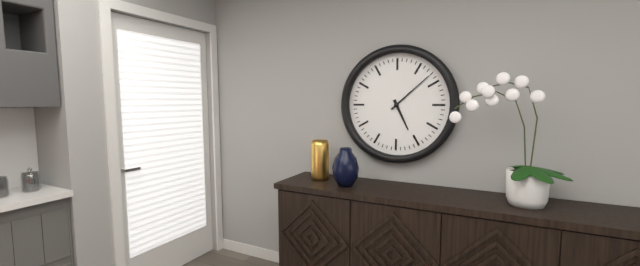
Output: {"hour": 5, "minute": 8}
